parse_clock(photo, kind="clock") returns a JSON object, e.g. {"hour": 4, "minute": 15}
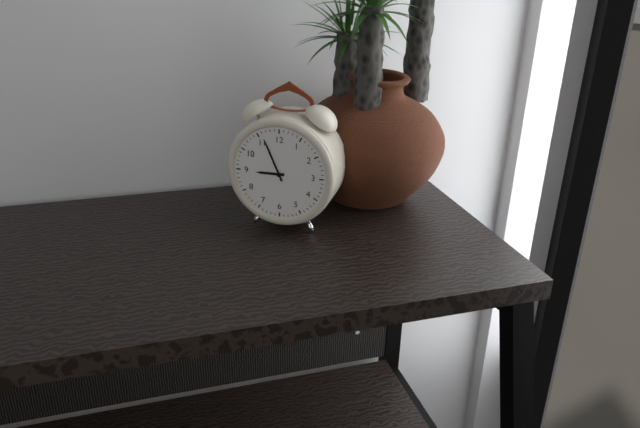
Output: {"hour": 8, "minute": 56}
